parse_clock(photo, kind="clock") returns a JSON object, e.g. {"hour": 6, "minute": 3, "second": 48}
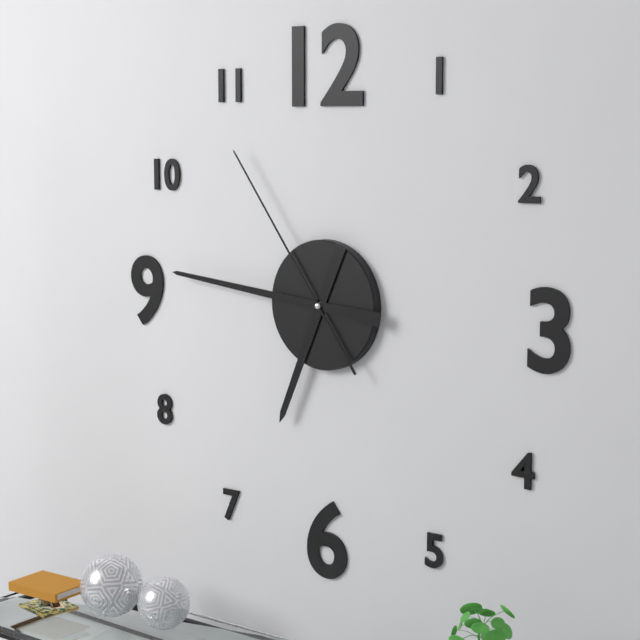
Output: {"hour": 6, "minute": 46, "second": 54}
